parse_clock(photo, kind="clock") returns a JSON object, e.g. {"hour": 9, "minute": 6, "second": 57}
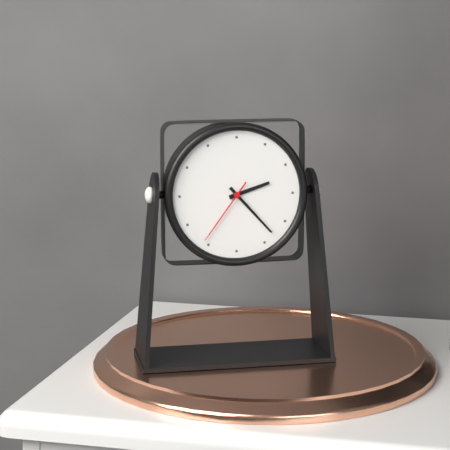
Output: {"hour": 2, "minute": 23, "second": 36}
